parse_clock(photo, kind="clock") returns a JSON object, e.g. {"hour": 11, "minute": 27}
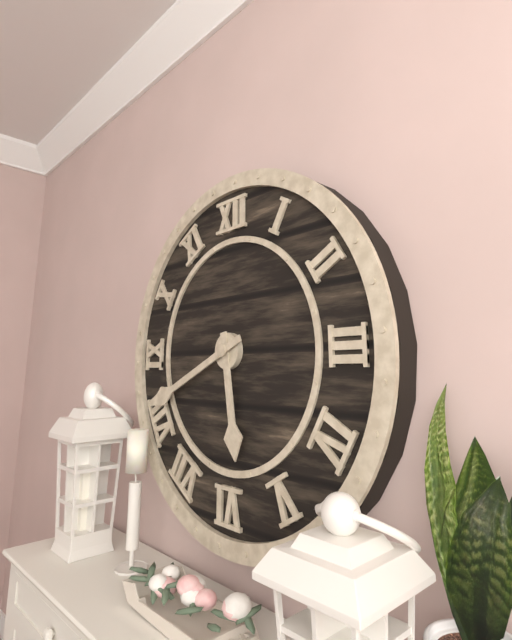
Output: {"hour": 5, "minute": 41}
